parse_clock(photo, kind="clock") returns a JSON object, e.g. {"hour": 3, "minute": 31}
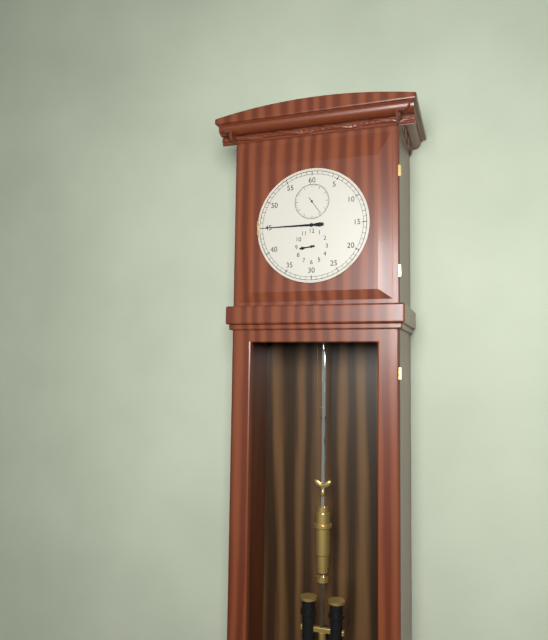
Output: {"hour": 8, "minute": 45}
